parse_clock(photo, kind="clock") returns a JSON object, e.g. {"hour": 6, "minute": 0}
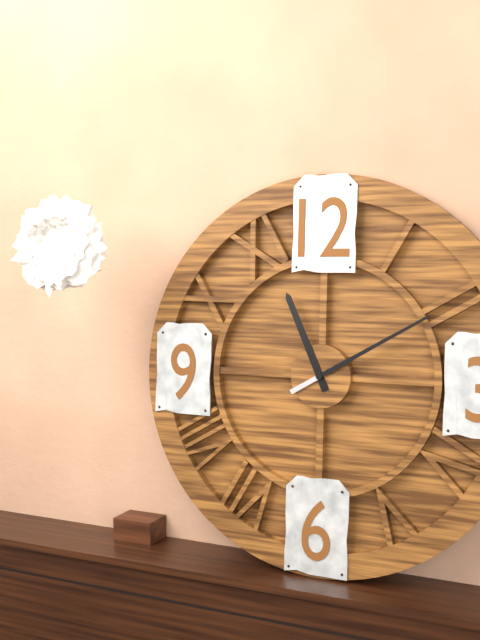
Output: {"hour": 11, "minute": 10}
